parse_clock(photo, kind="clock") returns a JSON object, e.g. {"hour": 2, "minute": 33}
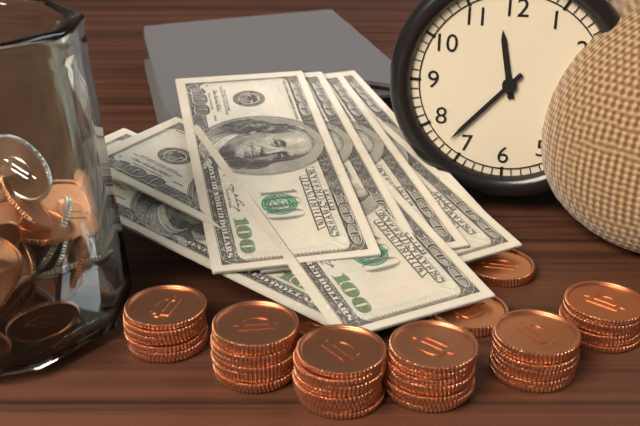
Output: {"hour": 11, "minute": 37}
